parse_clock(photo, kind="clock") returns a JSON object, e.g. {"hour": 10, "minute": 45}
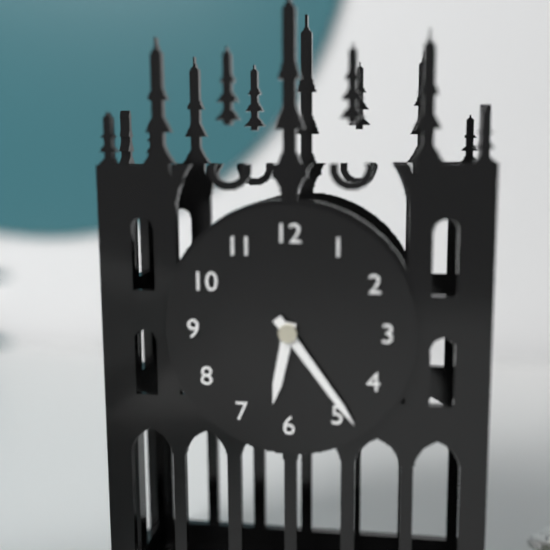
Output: {"hour": 6, "minute": 24}
